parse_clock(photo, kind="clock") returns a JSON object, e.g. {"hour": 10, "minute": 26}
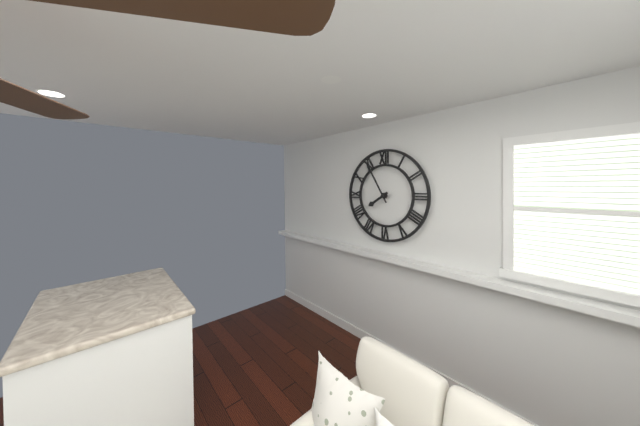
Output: {"hour": 7, "minute": 55}
